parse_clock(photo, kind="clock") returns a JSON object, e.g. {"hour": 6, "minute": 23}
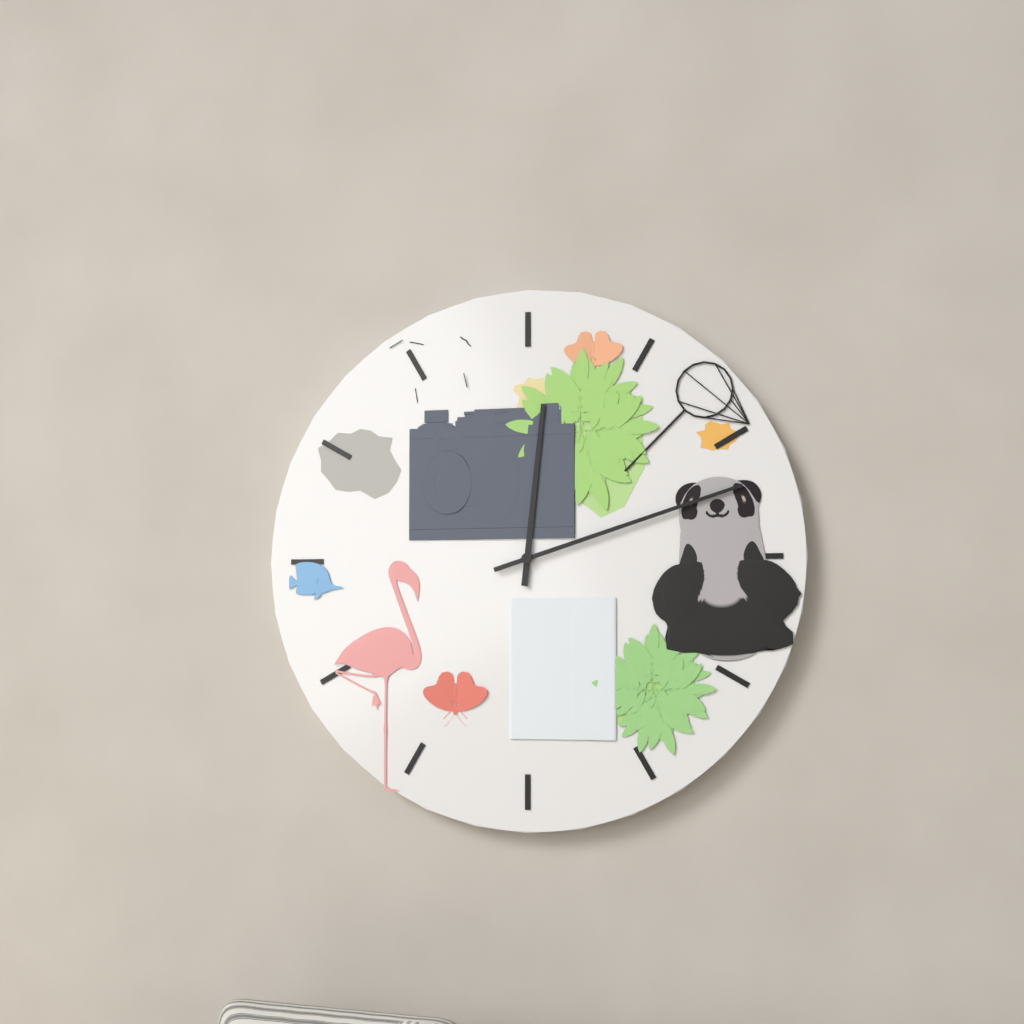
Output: {"hour": 12, "minute": 12}
